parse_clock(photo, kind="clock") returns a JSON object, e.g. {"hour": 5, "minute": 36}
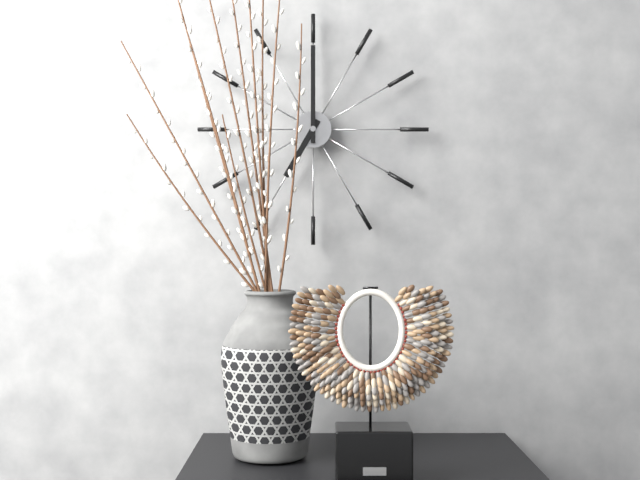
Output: {"hour": 7, "minute": 0}
